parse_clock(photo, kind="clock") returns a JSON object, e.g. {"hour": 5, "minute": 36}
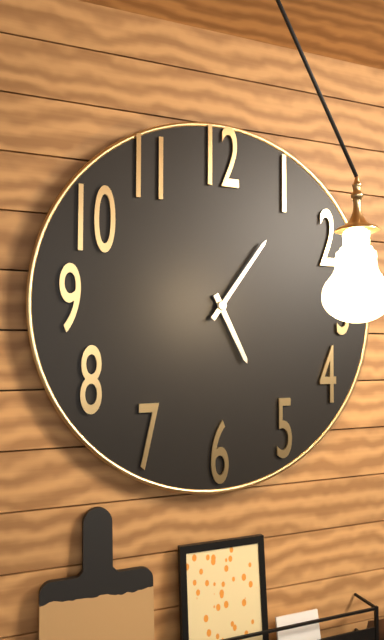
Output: {"hour": 5, "minute": 6}
